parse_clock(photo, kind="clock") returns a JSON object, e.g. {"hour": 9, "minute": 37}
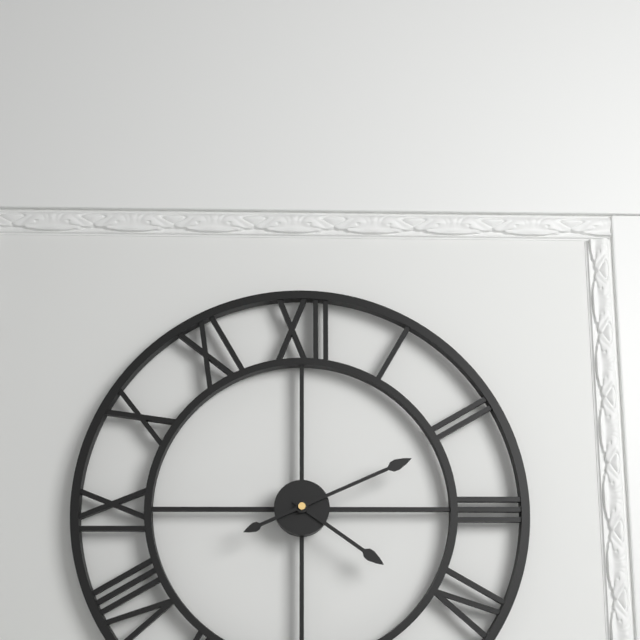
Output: {"hour": 4, "minute": 11}
